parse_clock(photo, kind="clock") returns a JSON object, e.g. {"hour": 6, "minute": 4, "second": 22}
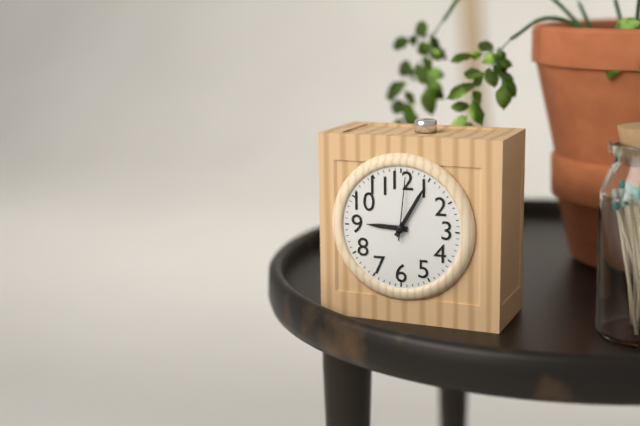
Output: {"hour": 9, "minute": 5, "second": 1}
